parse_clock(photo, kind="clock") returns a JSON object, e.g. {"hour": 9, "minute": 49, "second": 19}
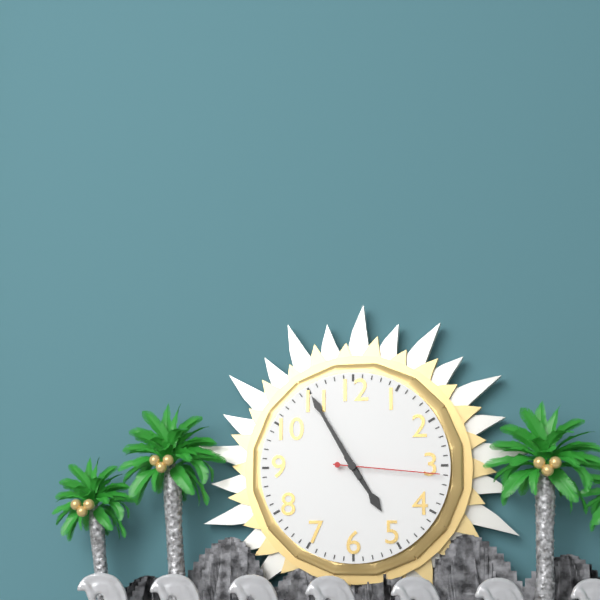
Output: {"hour": 4, "minute": 55, "second": 16}
